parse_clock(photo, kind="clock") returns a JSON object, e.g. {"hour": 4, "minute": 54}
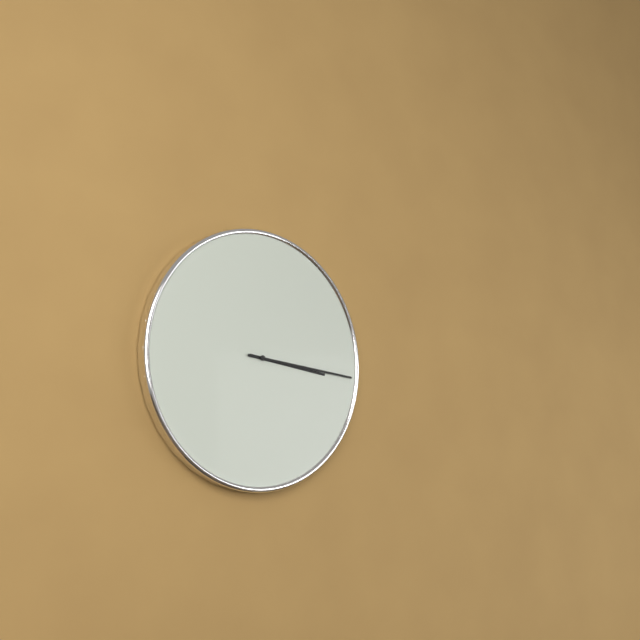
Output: {"hour": 3, "minute": 16}
